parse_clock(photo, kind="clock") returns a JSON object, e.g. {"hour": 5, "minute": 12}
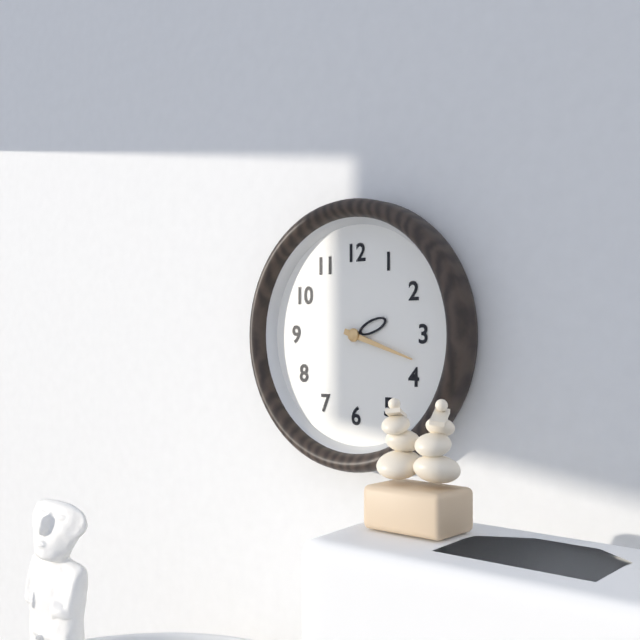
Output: {"hour": 2, "minute": 18}
